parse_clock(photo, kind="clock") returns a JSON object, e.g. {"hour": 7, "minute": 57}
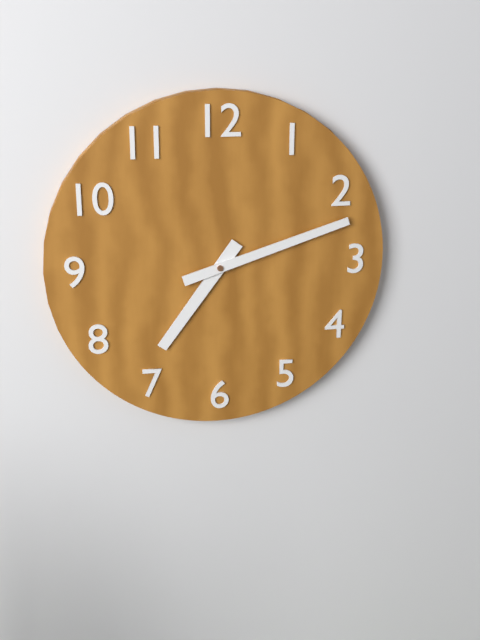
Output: {"hour": 7, "minute": 12}
